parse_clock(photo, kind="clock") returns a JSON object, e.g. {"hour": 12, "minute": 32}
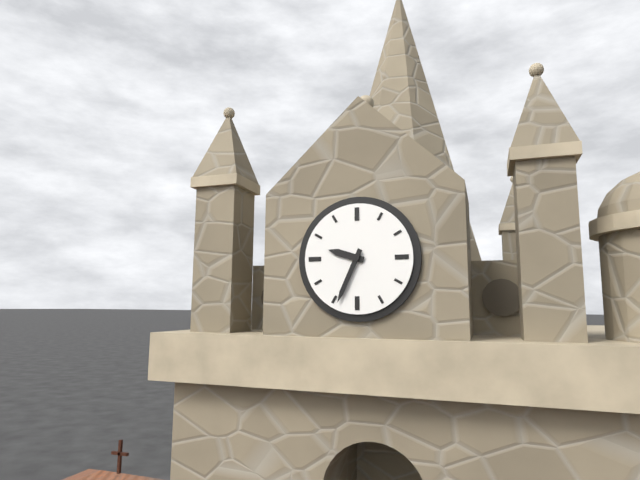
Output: {"hour": 9, "minute": 34}
